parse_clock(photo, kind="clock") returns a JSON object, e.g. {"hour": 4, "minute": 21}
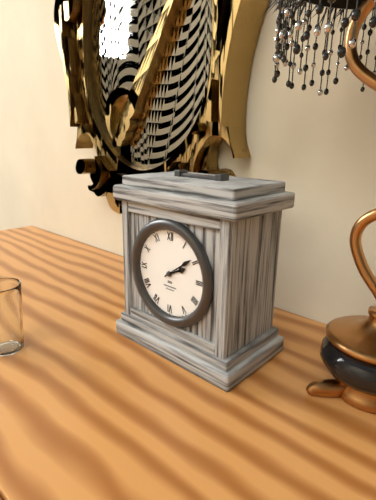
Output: {"hour": 2, "minute": 9}
